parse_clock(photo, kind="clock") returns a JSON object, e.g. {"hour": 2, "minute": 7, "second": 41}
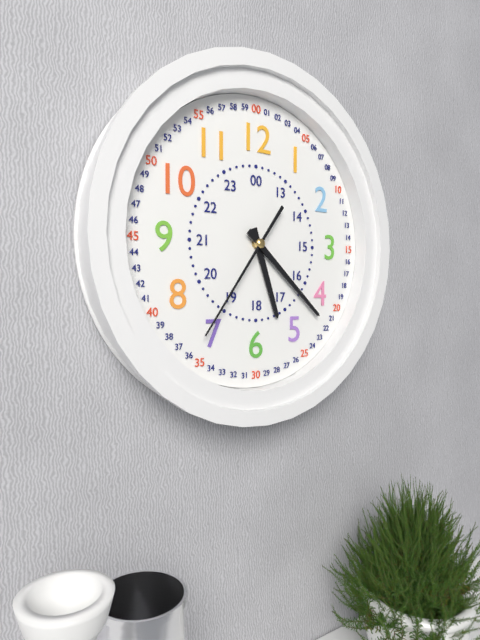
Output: {"hour": 5, "minute": 22, "second": 36}
